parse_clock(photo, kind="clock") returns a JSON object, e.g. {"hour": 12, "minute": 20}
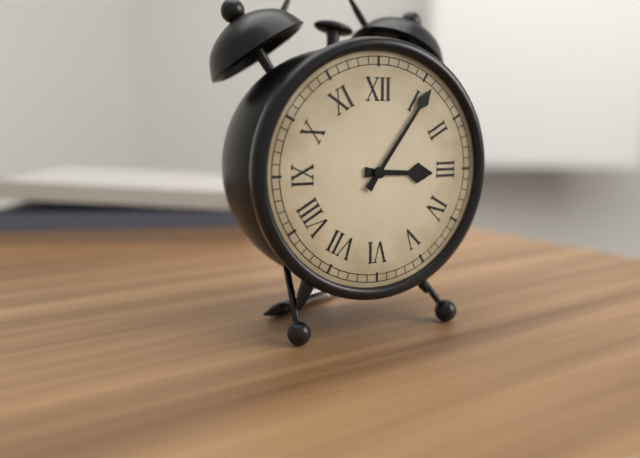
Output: {"hour": 3, "minute": 6}
